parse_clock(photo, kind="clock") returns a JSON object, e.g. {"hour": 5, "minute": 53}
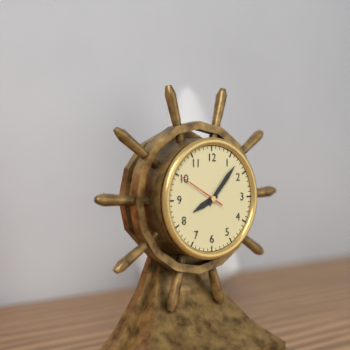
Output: {"hour": 8, "minute": 7}
